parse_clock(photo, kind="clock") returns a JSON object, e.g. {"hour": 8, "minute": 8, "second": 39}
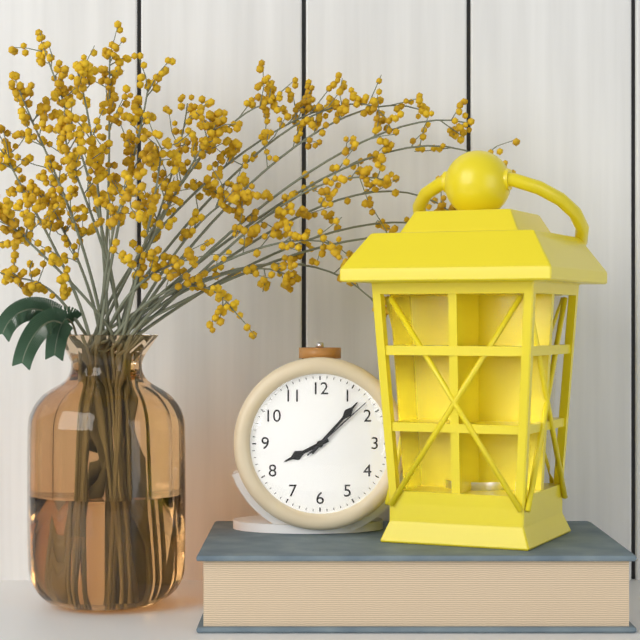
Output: {"hour": 8, "minute": 7, "second": 8}
